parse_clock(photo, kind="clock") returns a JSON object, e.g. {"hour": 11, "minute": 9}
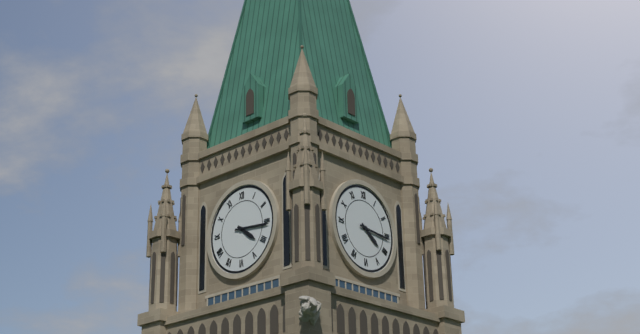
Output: {"hour": 4, "minute": 16}
